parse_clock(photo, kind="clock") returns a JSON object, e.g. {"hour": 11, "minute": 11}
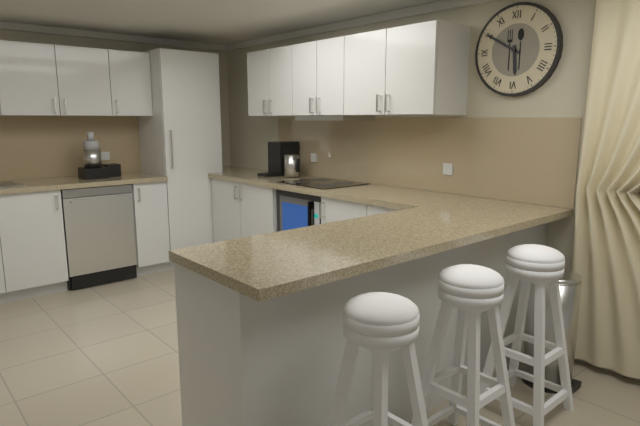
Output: {"hour": 5, "minute": 50}
